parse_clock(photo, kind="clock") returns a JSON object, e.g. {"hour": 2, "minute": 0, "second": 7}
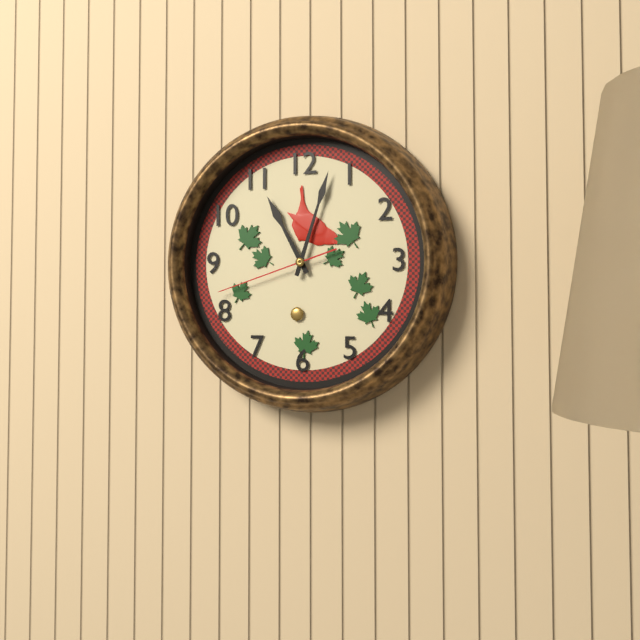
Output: {"hour": 11, "minute": 3, "second": 42}
